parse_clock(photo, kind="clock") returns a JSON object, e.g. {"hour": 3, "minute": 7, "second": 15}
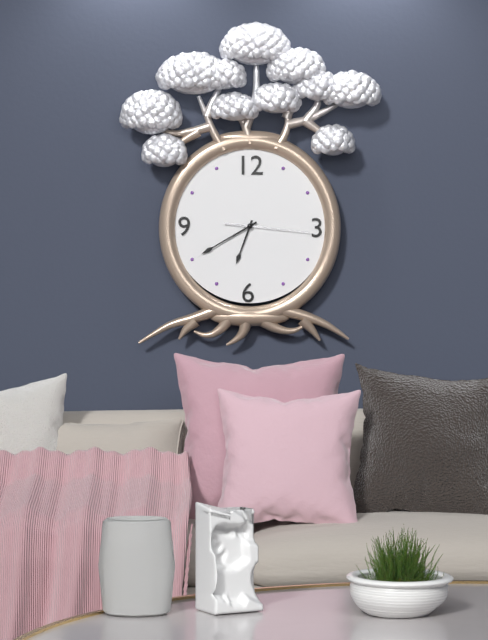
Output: {"hour": 6, "minute": 40, "second": 16}
